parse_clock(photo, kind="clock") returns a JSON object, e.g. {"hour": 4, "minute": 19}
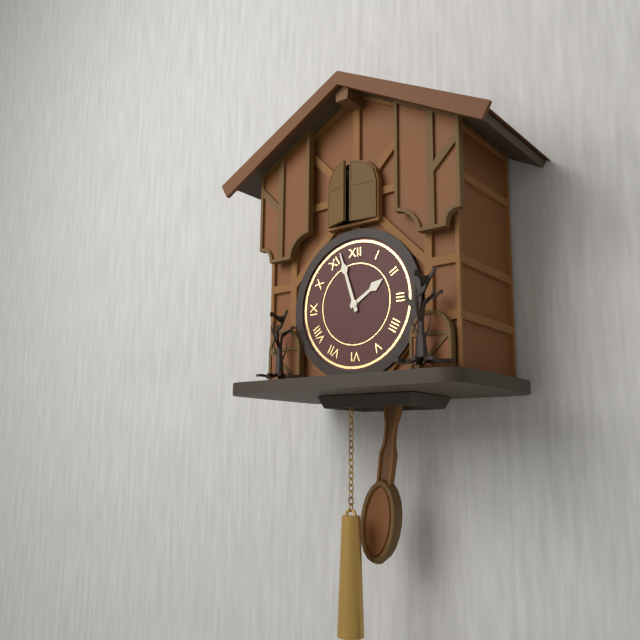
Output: {"hour": 1, "minute": 57}
